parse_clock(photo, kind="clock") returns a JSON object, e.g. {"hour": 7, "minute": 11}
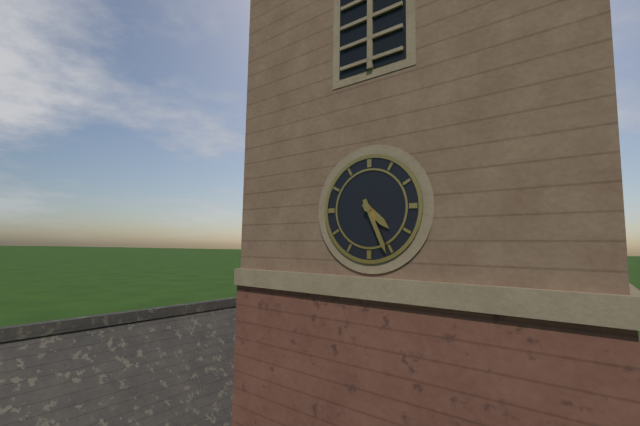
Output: {"hour": 4, "minute": 26}
